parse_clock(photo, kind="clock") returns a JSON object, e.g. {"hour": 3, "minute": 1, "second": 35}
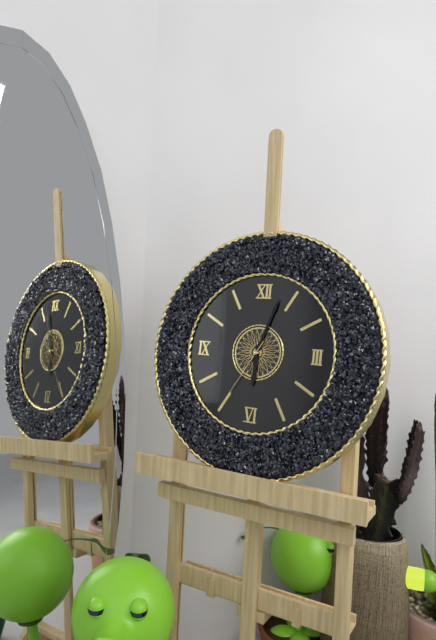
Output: {"hour": 6, "minute": 3, "second": 35}
